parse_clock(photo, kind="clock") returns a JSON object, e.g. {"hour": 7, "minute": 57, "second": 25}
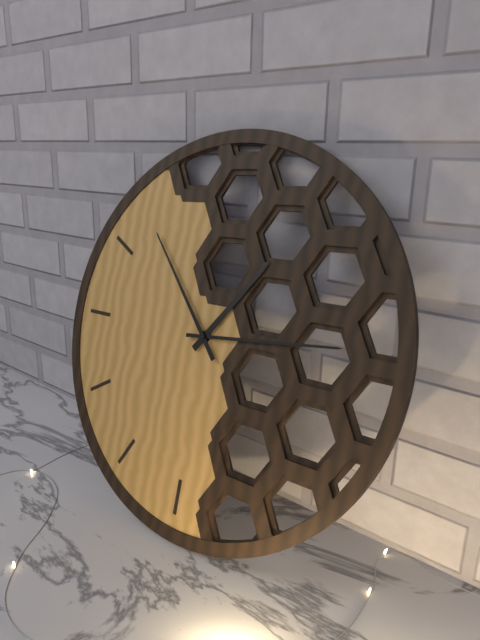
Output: {"hour": 1, "minute": 14, "second": 53}
